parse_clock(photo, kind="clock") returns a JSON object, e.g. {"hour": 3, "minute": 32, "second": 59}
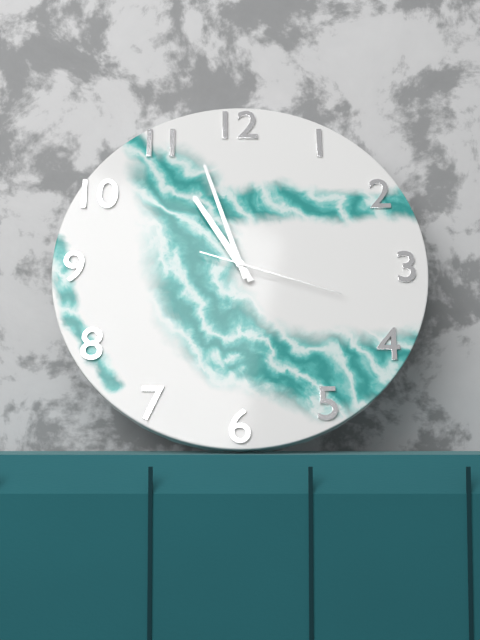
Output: {"hour": 10, "minute": 57, "second": 18}
